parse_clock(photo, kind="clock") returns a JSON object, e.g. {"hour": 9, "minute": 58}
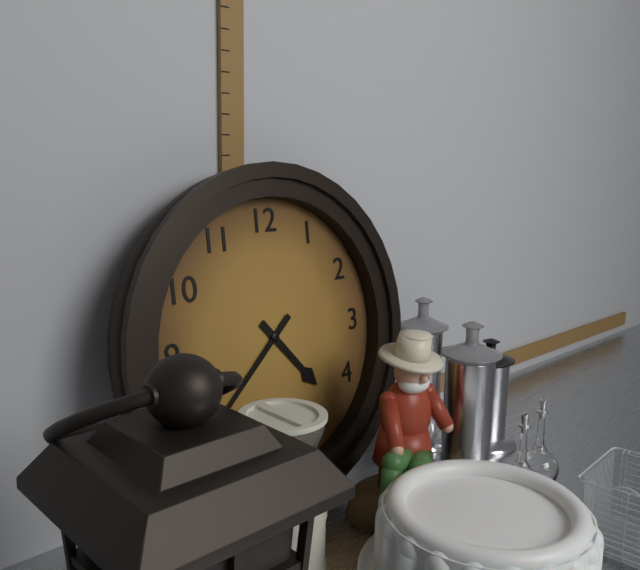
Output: {"hour": 4, "minute": 38}
